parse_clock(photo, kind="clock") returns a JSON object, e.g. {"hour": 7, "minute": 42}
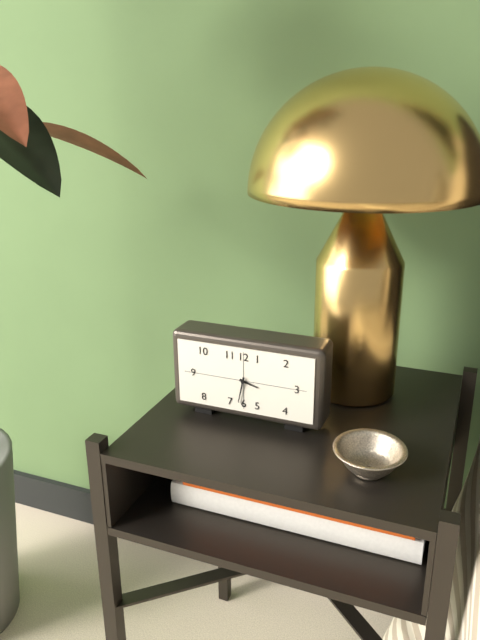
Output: {"hour": 3, "minute": 32}
